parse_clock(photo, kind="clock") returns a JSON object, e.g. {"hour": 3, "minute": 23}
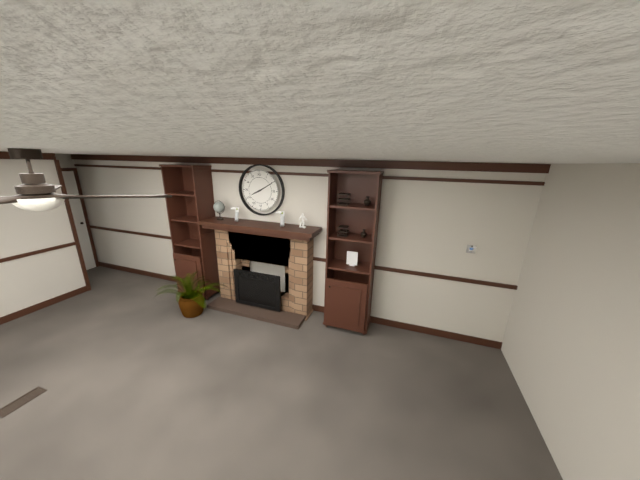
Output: {"hour": 8, "minute": 10}
